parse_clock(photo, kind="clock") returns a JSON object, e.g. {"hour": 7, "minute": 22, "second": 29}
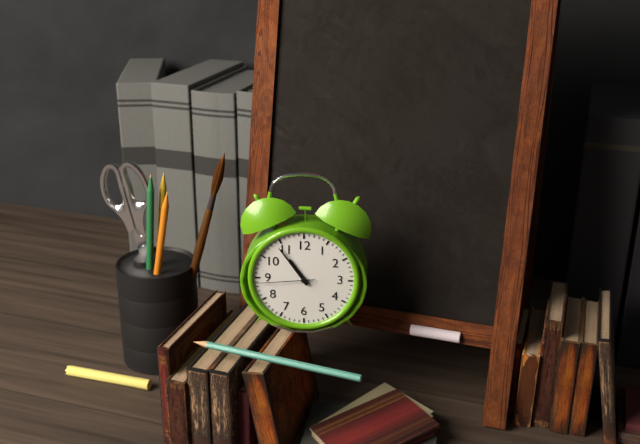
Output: {"hour": 10, "minute": 54, "second": 44}
